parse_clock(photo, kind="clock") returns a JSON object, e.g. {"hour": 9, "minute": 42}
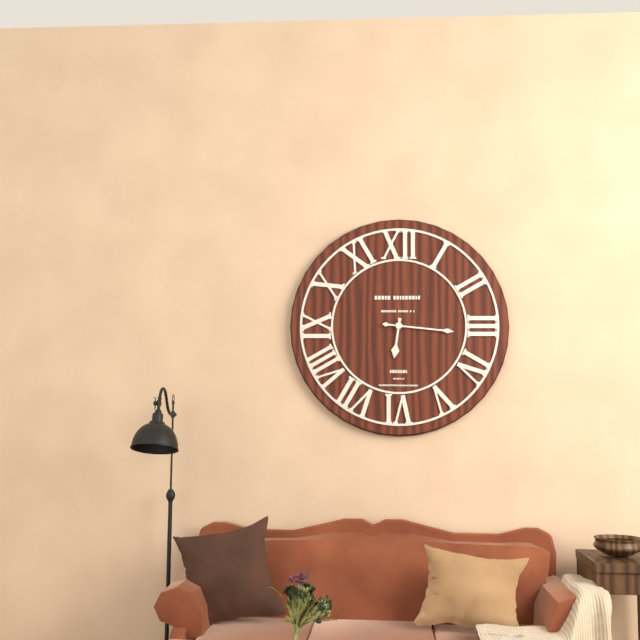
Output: {"hour": 6, "minute": 16}
